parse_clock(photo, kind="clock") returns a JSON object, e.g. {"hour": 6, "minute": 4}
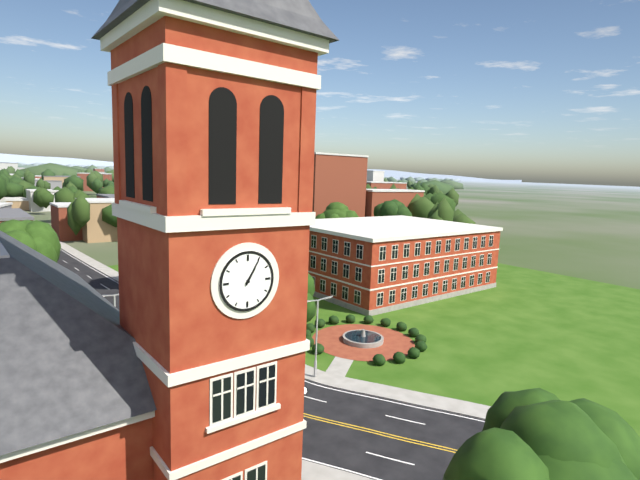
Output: {"hour": 1, "minute": 5}
